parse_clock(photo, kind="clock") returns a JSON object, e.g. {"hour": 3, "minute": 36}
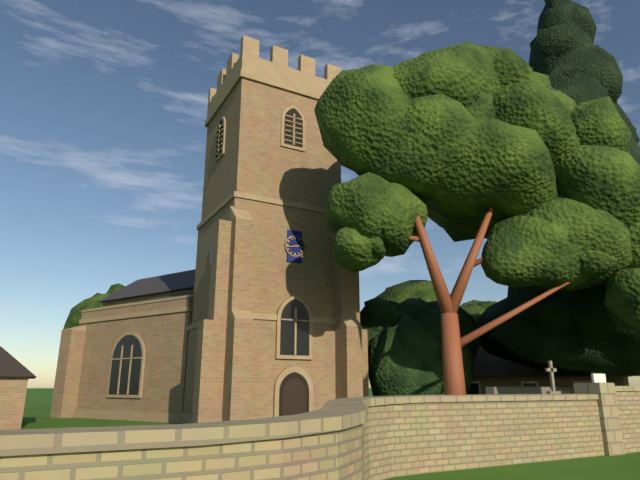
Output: {"hour": 2, "minute": 43}
